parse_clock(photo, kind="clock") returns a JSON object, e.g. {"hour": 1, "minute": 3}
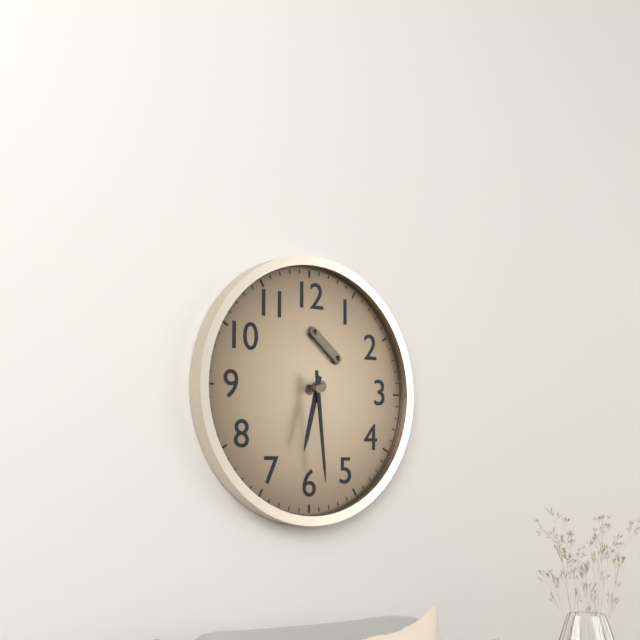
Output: {"hour": 6, "minute": 29}
